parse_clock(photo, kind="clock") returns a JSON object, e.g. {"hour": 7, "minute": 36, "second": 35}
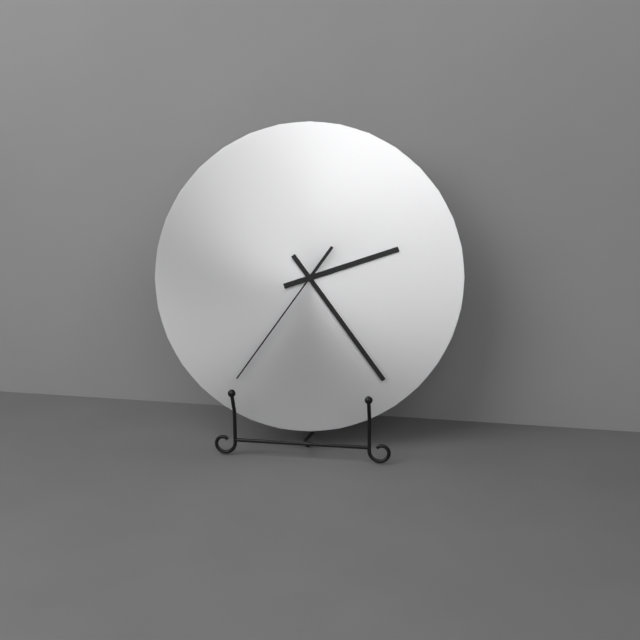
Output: {"hour": 2, "minute": 24, "second": 36}
